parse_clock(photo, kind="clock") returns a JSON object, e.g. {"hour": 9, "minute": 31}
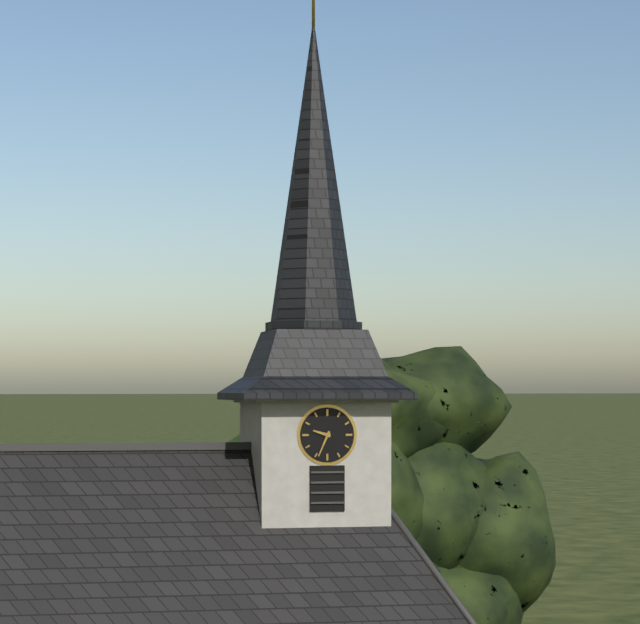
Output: {"hour": 9, "minute": 34}
